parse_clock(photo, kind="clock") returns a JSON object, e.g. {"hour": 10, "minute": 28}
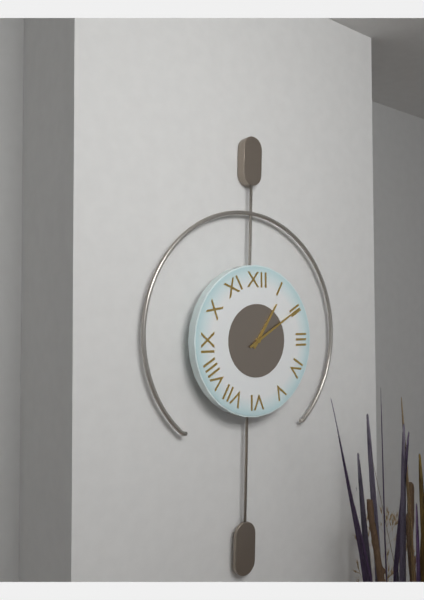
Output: {"hour": 1, "minute": 10}
